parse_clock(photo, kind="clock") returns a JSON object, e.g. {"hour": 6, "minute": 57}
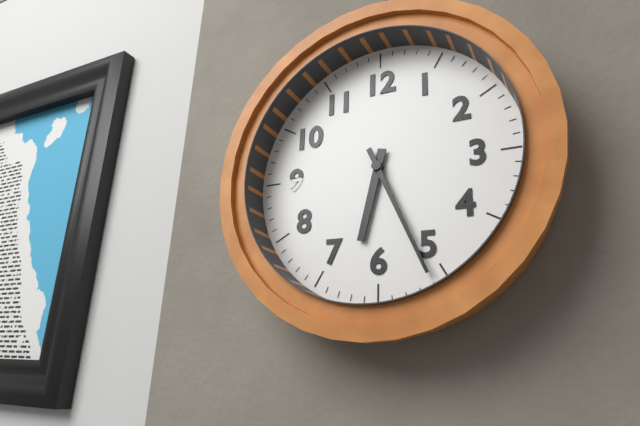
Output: {"hour": 6, "minute": 26}
